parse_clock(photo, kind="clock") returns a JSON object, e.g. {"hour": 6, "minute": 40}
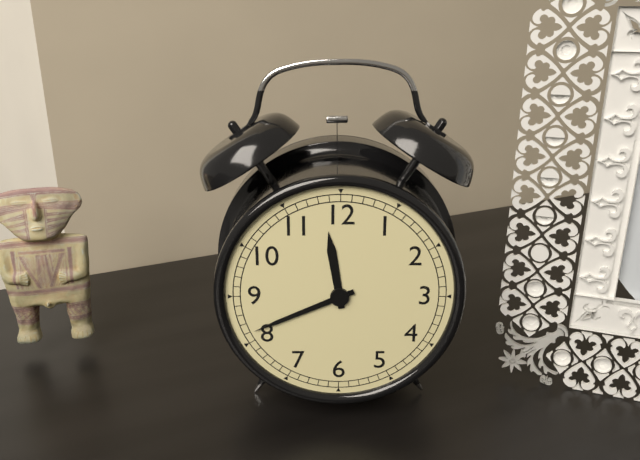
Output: {"hour": 11, "minute": 41}
